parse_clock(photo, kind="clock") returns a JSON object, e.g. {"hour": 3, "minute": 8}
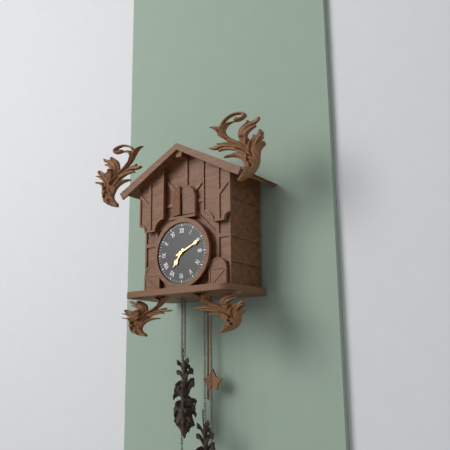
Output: {"hour": 7, "minute": 11}
